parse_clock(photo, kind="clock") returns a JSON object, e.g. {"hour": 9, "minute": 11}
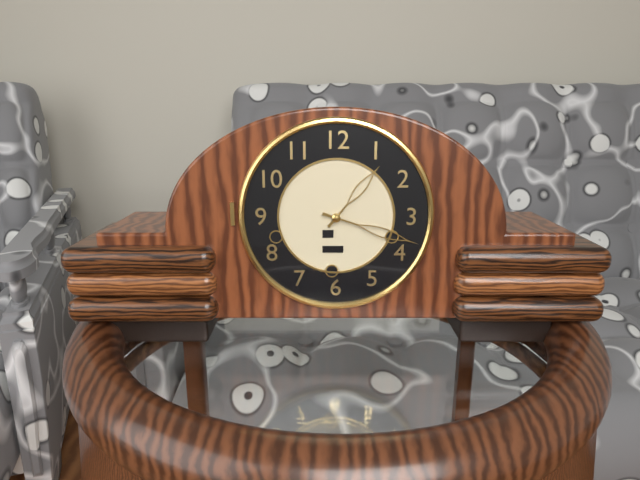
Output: {"hour": 1, "minute": 18}
